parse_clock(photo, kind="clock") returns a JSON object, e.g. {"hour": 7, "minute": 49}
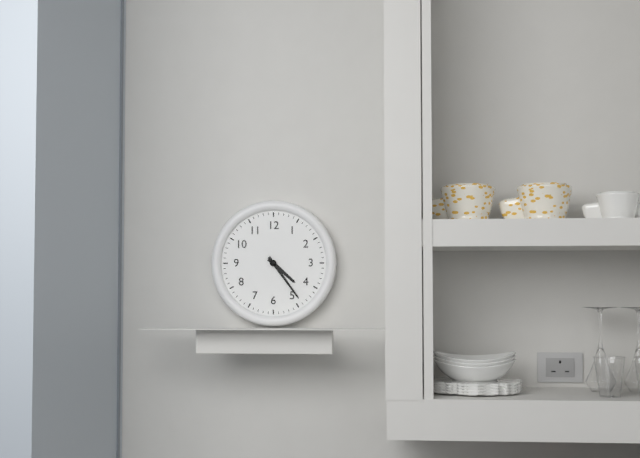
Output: {"hour": 4, "minute": 24}
